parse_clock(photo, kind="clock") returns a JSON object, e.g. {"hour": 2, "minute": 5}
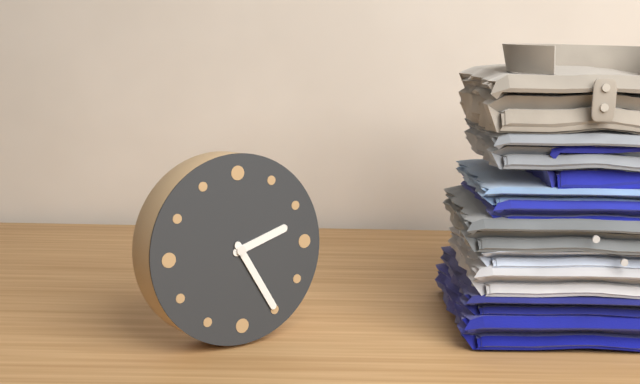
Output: {"hour": 2, "minute": 25}
